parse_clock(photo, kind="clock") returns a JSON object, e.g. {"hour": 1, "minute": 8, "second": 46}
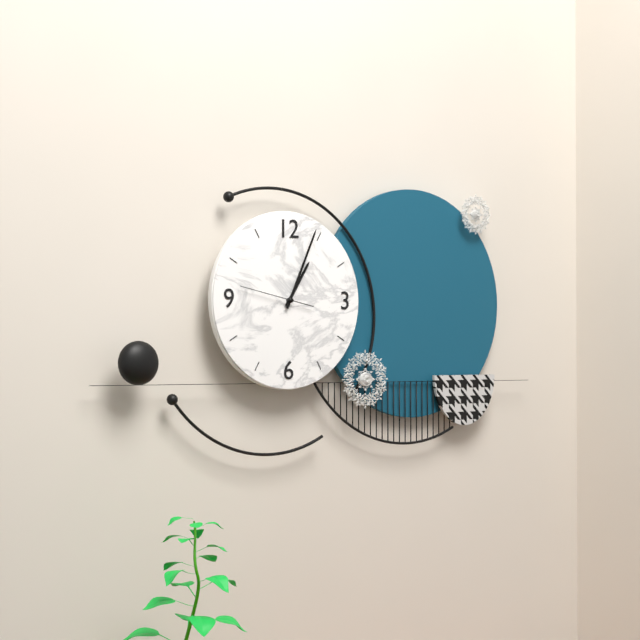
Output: {"hour": 1, "minute": 4, "second": 47}
